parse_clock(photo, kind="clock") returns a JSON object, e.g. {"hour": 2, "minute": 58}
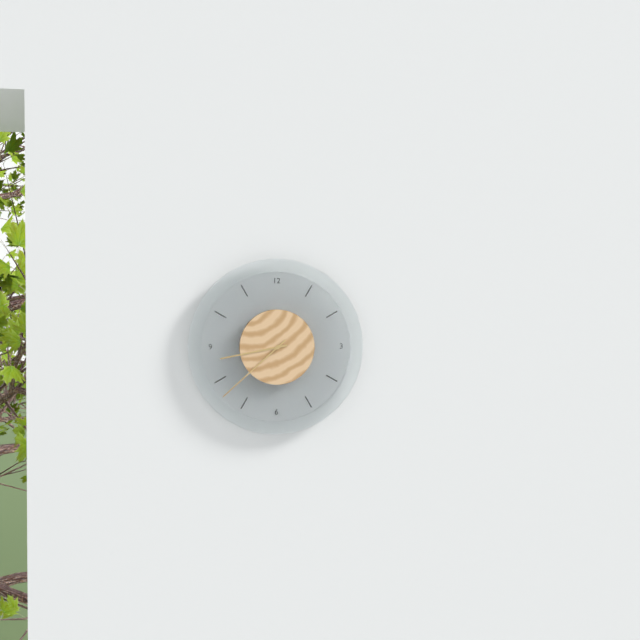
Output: {"hour": 8, "minute": 38}
